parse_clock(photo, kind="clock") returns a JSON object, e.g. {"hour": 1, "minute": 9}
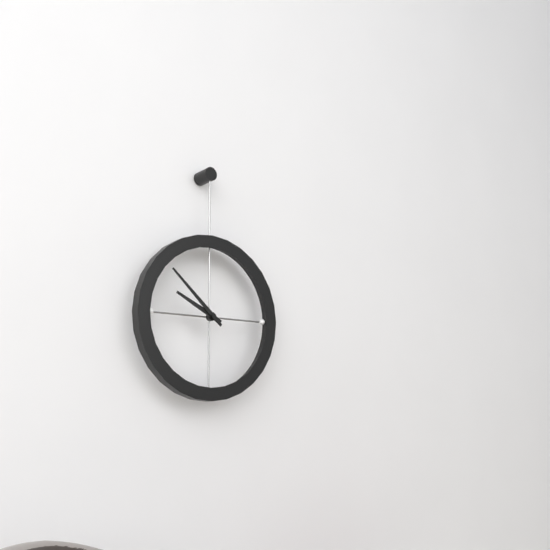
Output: {"hour": 9, "minute": 52}
